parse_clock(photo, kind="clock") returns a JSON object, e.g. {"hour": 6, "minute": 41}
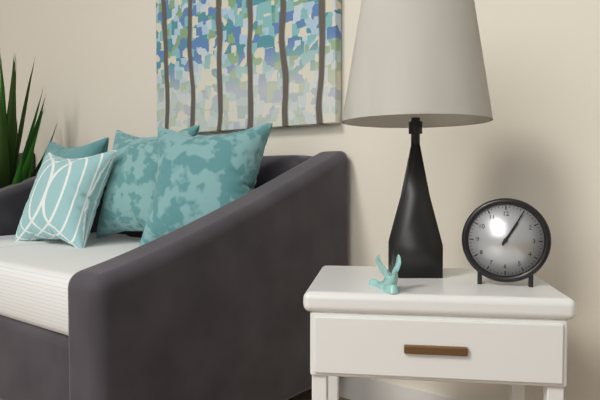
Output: {"hour": 1, "minute": 5}
